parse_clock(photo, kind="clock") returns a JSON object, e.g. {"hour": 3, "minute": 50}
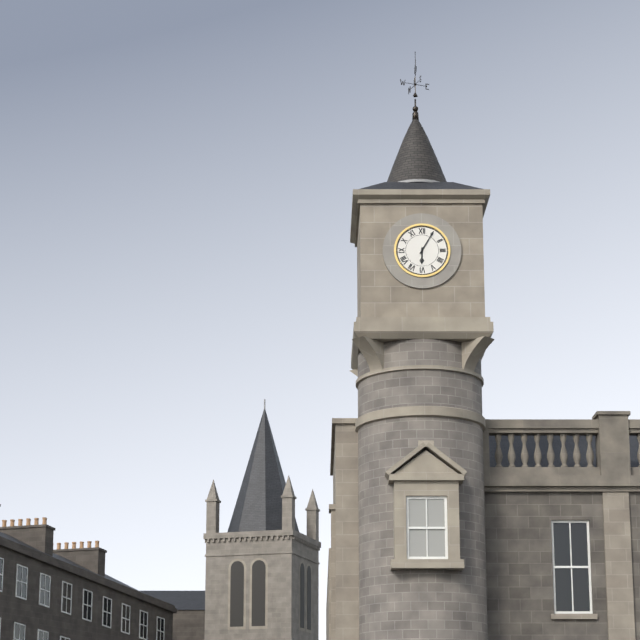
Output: {"hour": 6, "minute": 5}
